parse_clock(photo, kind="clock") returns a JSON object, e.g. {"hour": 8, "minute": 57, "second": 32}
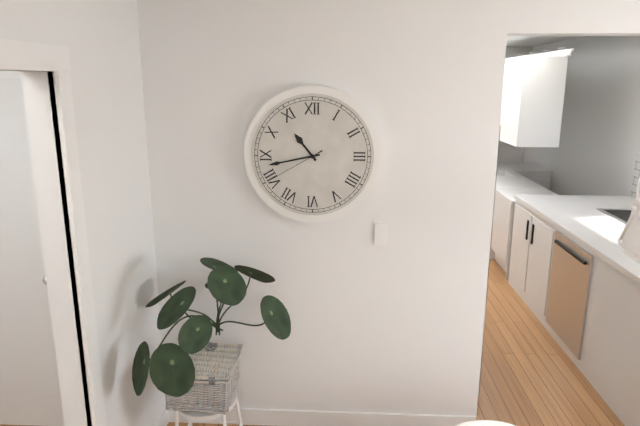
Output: {"hour": 10, "minute": 43, "second": 40}
